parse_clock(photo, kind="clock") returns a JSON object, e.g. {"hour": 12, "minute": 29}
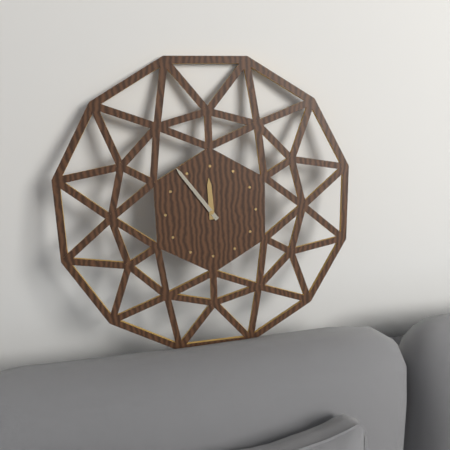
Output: {"hour": 11, "minute": 54}
